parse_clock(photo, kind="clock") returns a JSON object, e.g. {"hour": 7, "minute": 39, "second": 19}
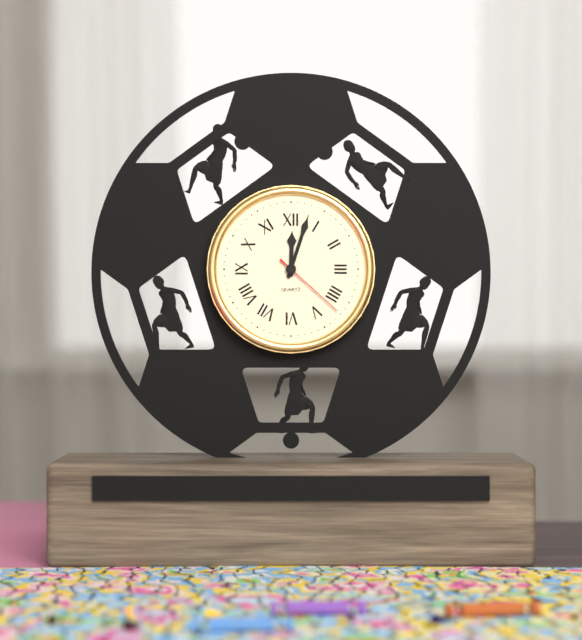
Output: {"hour": 12, "minute": 3, "second": 22}
